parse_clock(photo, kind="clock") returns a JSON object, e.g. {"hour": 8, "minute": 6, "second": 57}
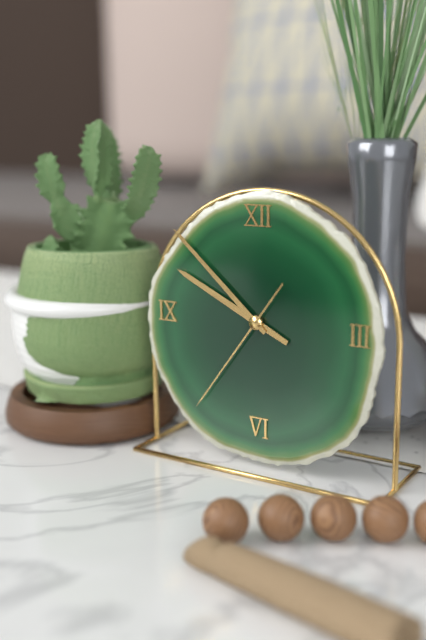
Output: {"hour": 9, "minute": 52, "second": 36}
